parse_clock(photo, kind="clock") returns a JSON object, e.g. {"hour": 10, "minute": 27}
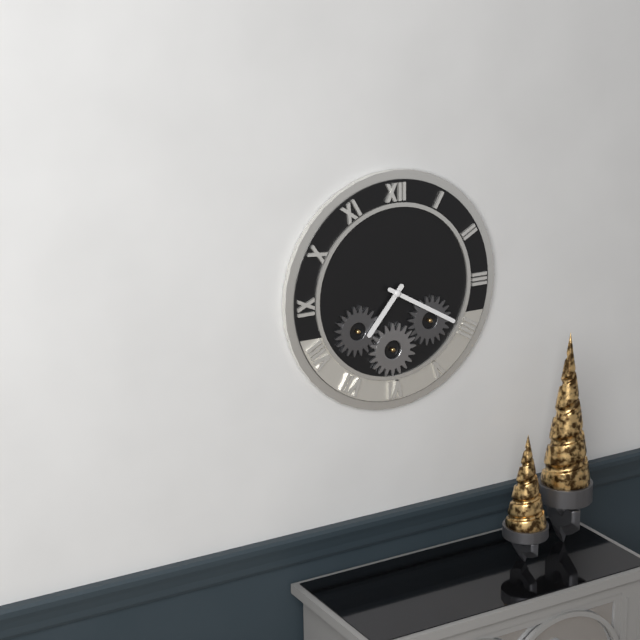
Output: {"hour": 7, "minute": 20}
